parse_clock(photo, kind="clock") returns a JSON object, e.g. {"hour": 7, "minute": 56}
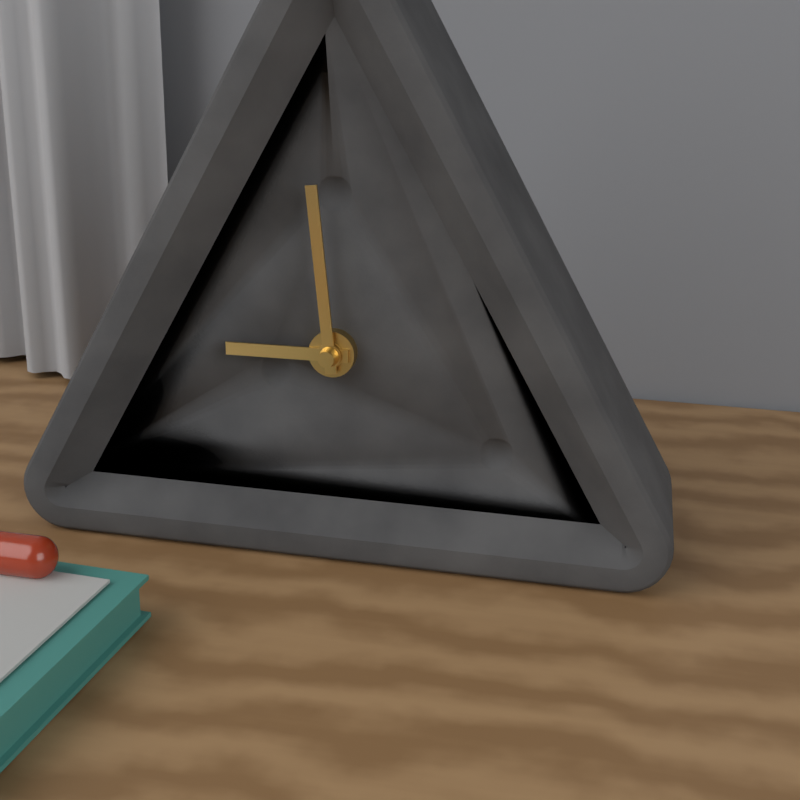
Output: {"hour": 8, "minute": 59}
